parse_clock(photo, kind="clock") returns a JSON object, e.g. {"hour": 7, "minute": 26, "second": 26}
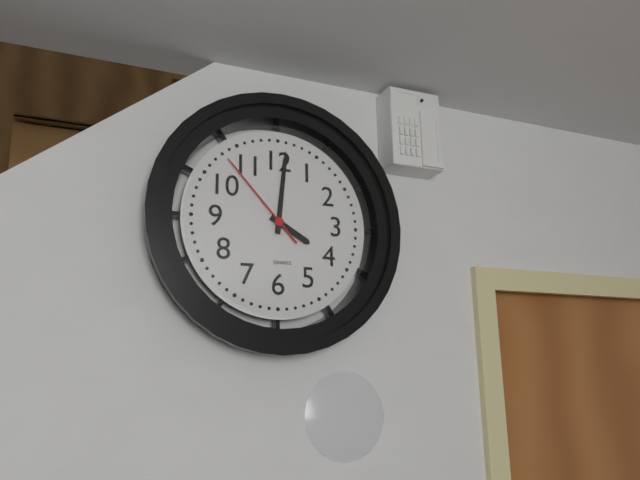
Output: {"hour": 4, "minute": 1, "second": 53}
